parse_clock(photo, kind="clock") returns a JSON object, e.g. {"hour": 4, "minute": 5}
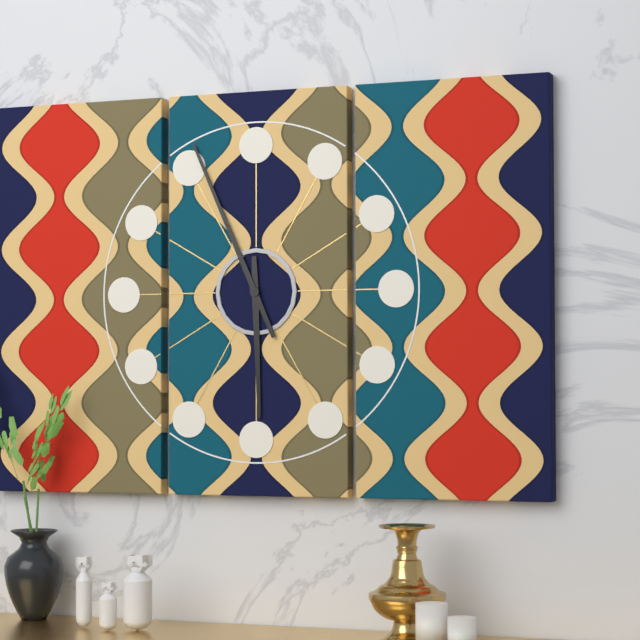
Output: {"hour": 5, "minute": 56}
